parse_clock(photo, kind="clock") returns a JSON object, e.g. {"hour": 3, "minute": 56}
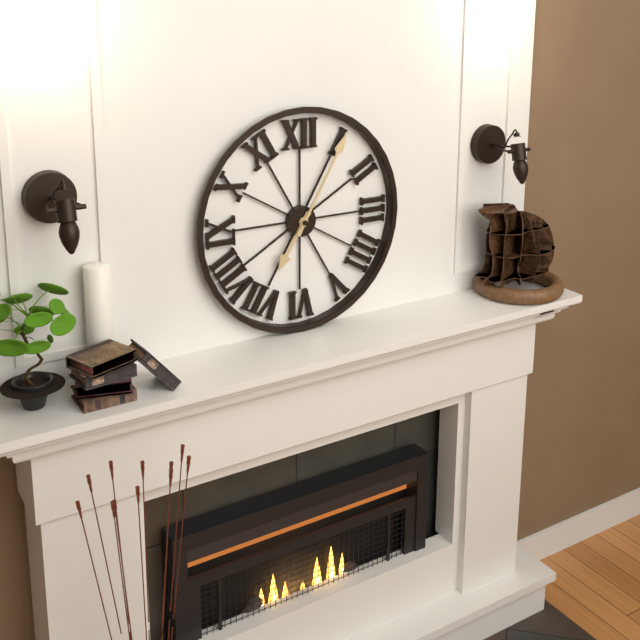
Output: {"hour": 7, "minute": 5}
